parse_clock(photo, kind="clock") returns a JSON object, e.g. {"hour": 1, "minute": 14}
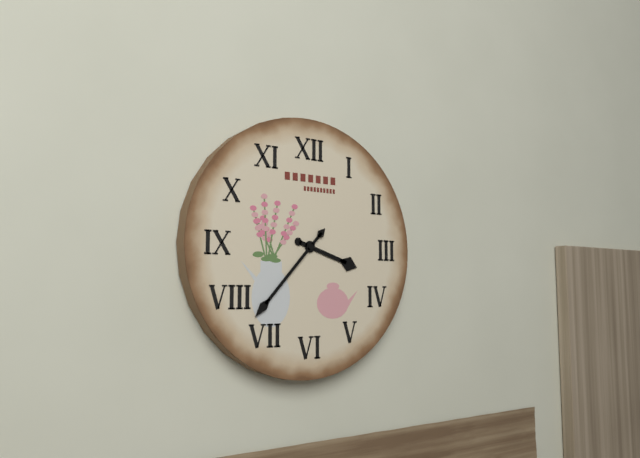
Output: {"hour": 3, "minute": 37}
